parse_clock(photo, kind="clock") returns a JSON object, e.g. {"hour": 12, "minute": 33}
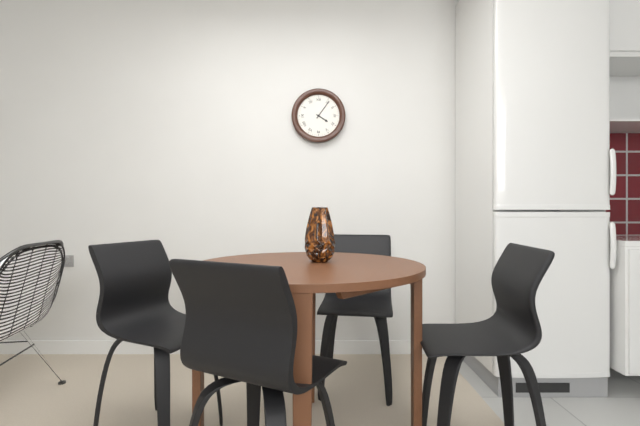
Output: {"hour": 4, "minute": 6}
